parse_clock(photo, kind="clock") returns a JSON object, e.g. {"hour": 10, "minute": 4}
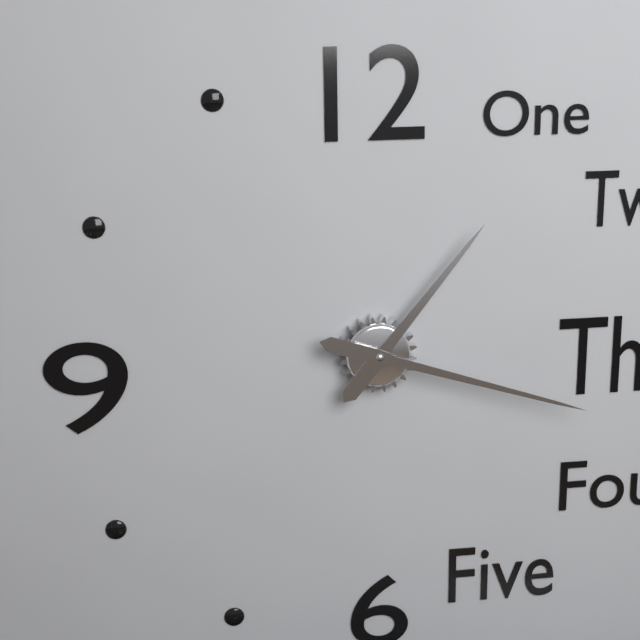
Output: {"hour": 1, "minute": 18}
